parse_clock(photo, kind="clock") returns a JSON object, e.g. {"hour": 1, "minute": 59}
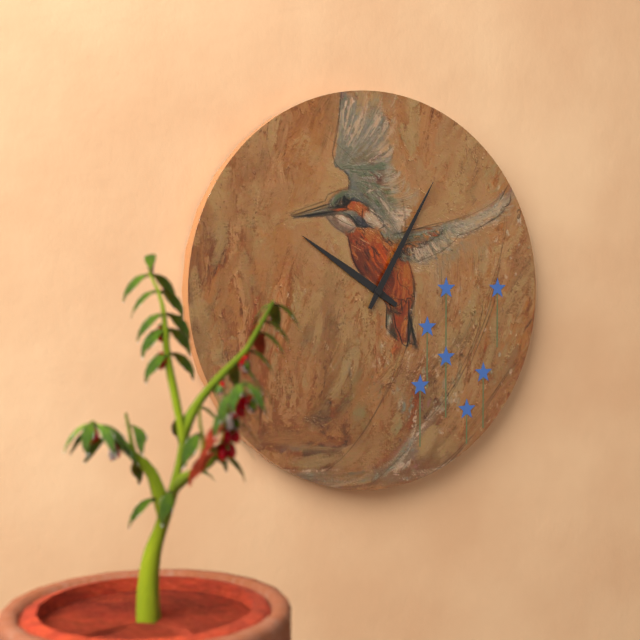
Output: {"hour": 10, "minute": 5}
